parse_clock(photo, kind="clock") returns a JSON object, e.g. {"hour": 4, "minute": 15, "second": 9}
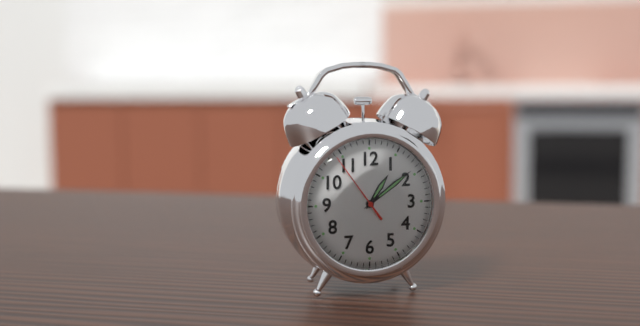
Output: {"hour": 1, "minute": 9, "second": 54}
